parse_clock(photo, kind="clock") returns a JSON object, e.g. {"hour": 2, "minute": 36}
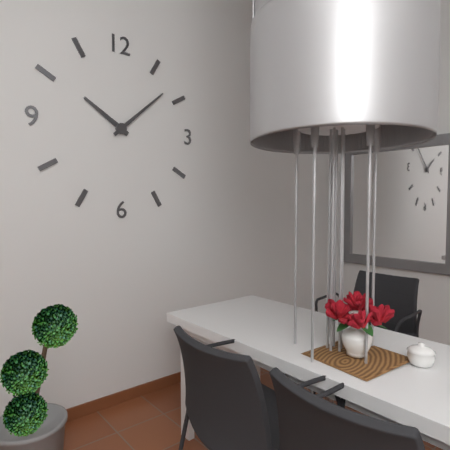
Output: {"hour": 10, "minute": 8}
